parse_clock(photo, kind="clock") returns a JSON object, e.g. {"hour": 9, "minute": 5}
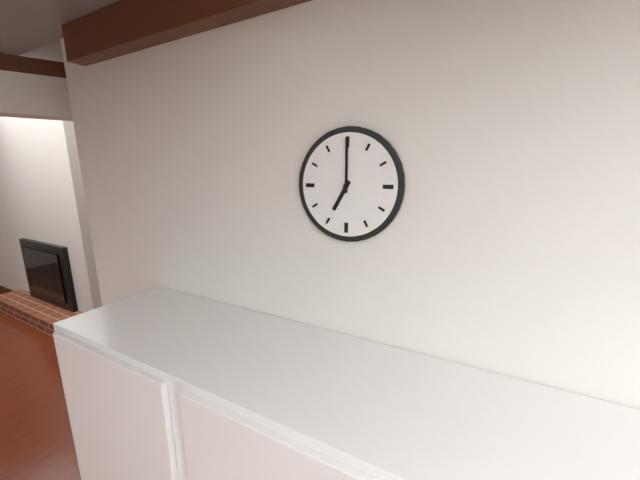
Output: {"hour": 7, "minute": 0}
